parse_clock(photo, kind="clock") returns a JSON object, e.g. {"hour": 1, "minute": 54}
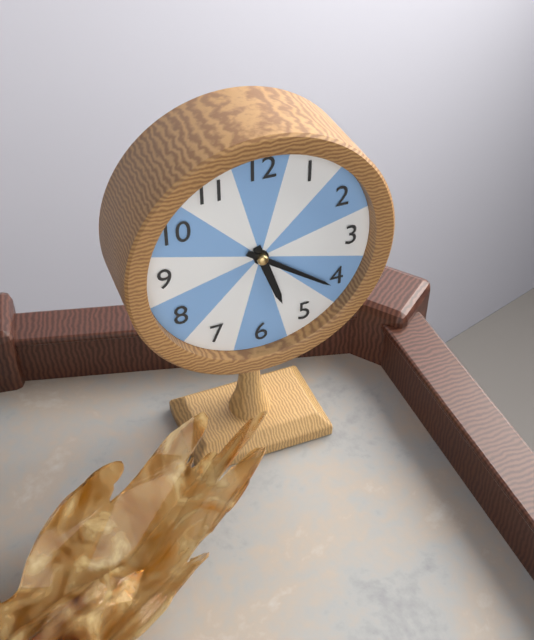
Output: {"hour": 5, "minute": 21}
